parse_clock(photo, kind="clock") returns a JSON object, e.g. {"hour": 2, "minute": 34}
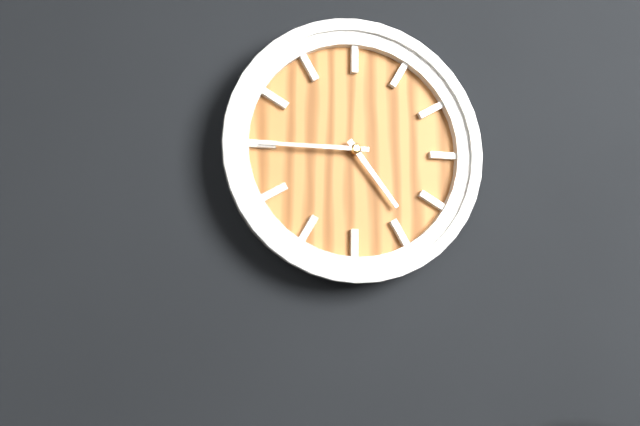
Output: {"hour": 4, "minute": 45}
